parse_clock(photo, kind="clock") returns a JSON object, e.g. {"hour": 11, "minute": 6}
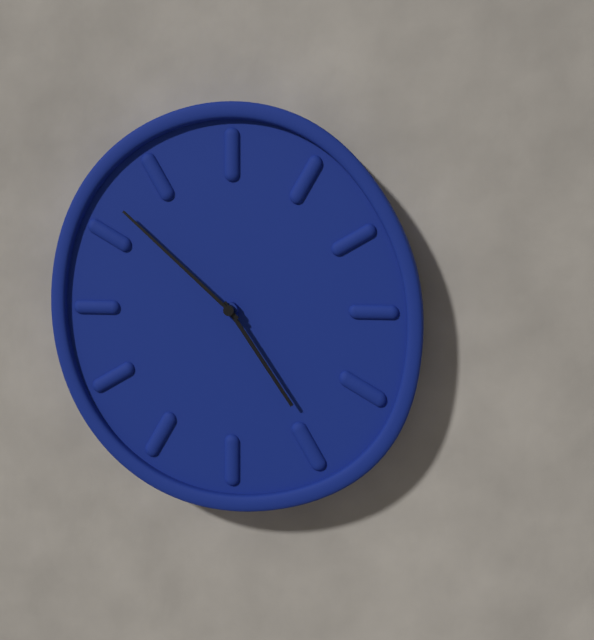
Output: {"hour": 4, "minute": 52}
